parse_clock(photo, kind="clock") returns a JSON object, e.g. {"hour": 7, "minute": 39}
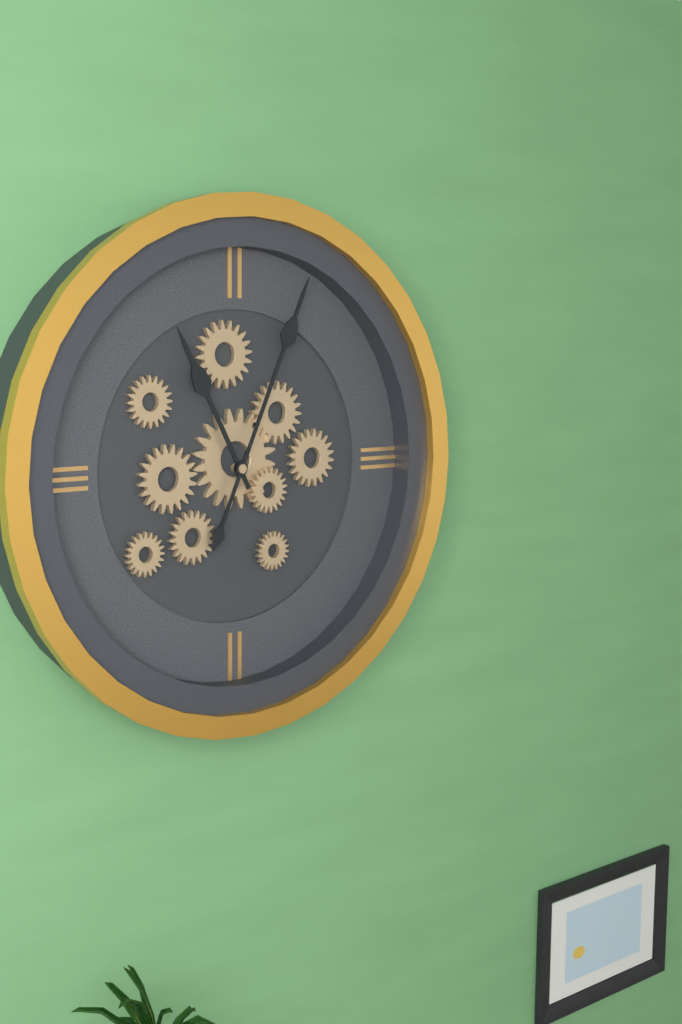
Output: {"hour": 11, "minute": 4}
